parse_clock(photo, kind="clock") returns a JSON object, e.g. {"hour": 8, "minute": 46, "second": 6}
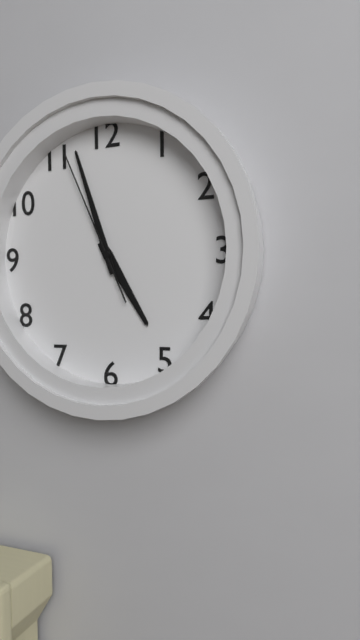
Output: {"hour": 4, "minute": 57, "second": 56}
